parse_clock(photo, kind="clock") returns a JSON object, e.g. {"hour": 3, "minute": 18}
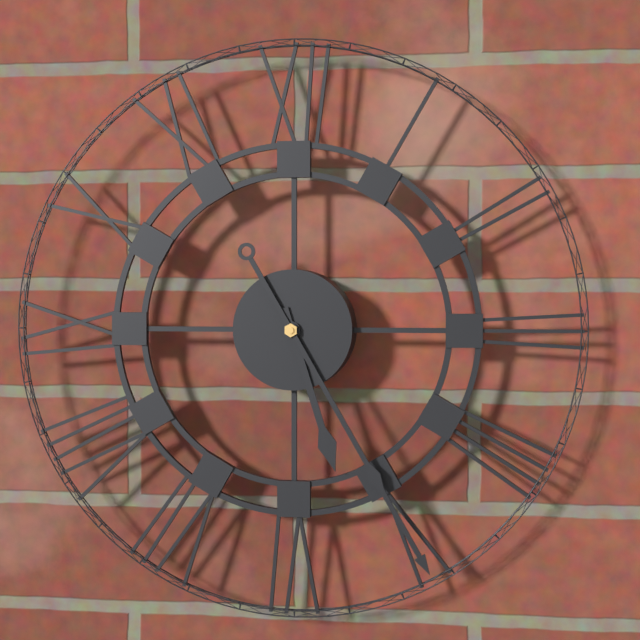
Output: {"hour": 5, "minute": 25}
